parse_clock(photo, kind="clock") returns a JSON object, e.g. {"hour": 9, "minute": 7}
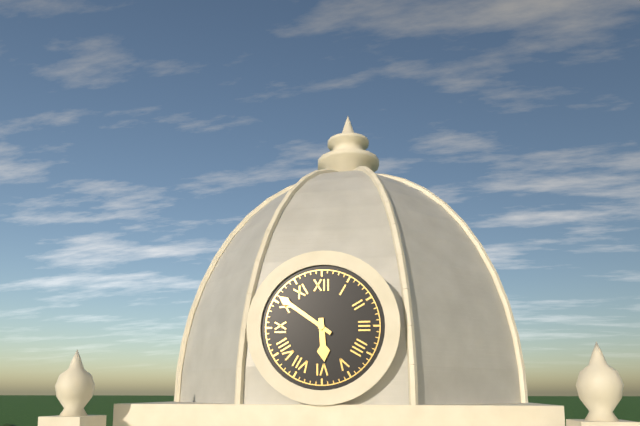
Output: {"hour": 5, "minute": 51}
